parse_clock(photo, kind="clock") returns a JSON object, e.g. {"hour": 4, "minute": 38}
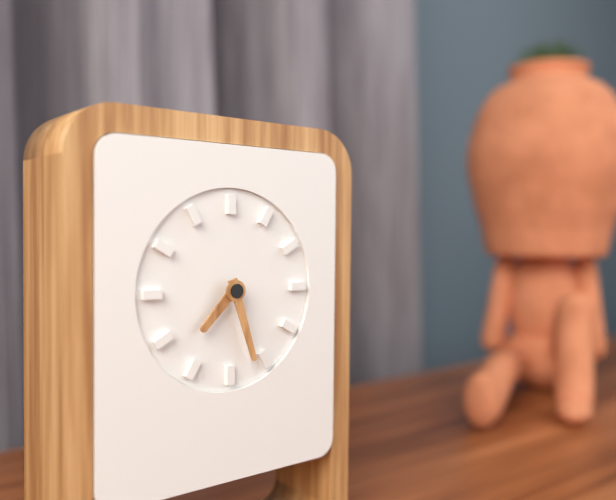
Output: {"hour": 7, "minute": 27}
